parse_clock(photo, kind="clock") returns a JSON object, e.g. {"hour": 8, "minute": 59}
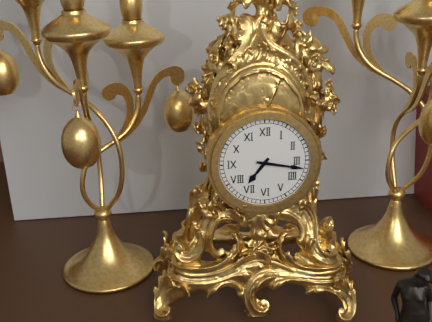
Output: {"hour": 7, "minute": 17}
